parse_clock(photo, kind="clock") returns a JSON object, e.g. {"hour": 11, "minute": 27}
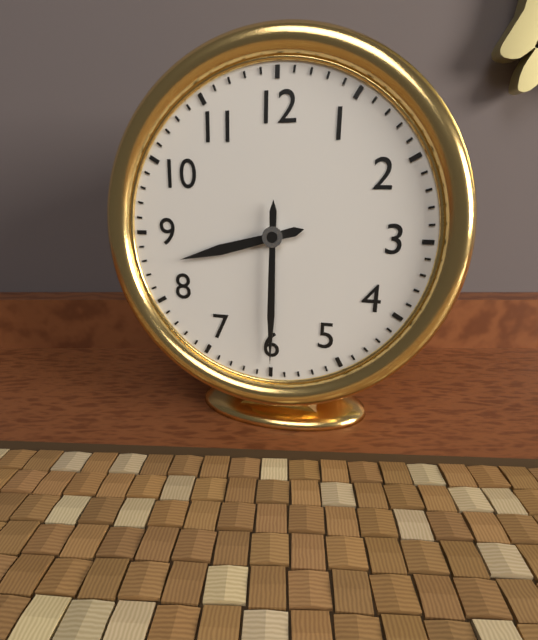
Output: {"hour": 8, "minute": 30}
